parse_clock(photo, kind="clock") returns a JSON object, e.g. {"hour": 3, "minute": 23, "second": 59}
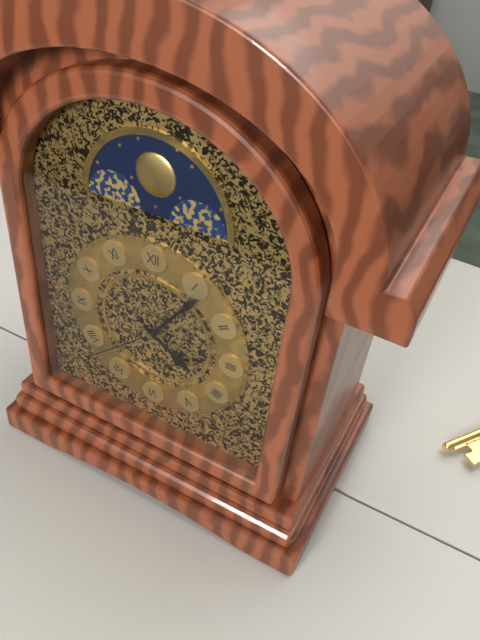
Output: {"hour": 4, "minute": 6, "second": 38}
